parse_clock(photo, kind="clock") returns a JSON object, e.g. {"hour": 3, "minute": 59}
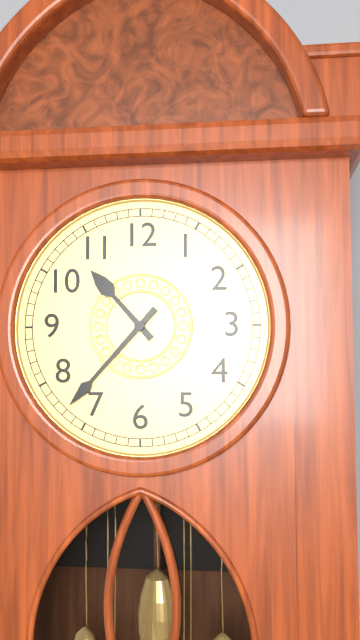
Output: {"hour": 10, "minute": 37}
